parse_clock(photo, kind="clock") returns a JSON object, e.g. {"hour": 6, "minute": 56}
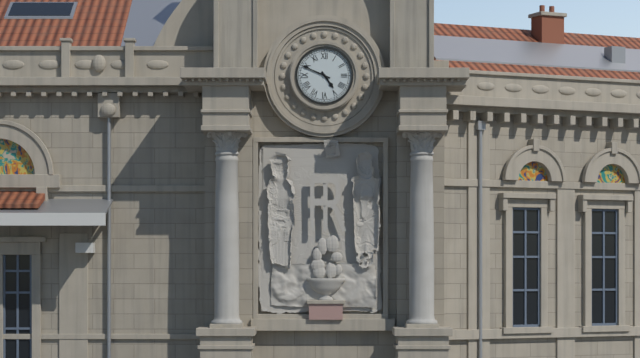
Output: {"hour": 4, "minute": 49}
